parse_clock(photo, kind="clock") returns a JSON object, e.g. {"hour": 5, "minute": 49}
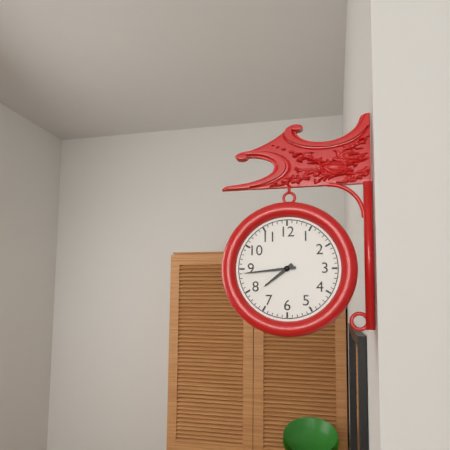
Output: {"hour": 7, "minute": 44}
